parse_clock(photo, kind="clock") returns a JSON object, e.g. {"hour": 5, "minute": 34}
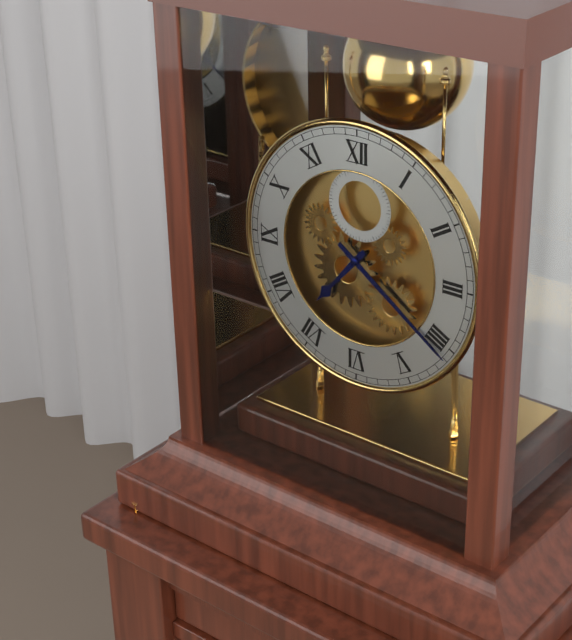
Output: {"hour": 7, "minute": 21}
